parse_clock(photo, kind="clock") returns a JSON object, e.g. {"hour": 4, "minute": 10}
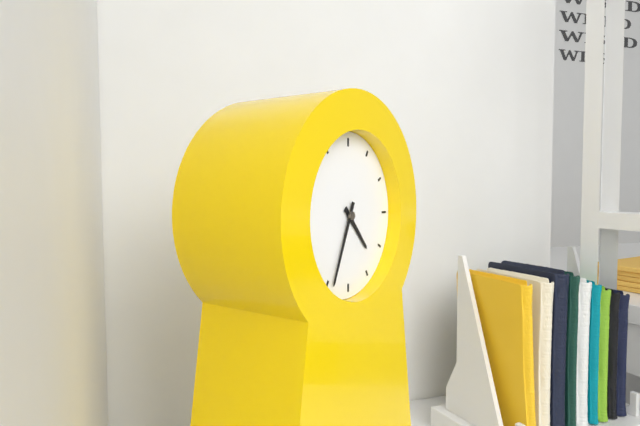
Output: {"hour": 4, "minute": 34}
